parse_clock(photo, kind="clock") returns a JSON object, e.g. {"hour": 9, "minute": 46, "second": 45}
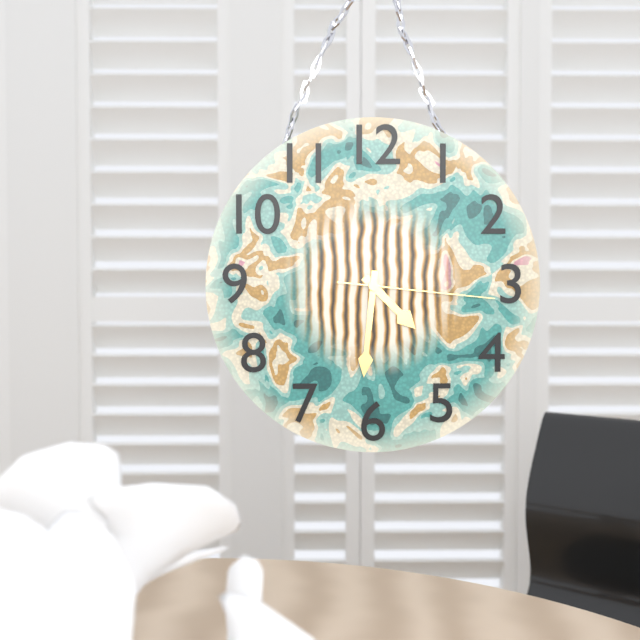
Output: {"hour": 4, "minute": 31, "second": 16}
